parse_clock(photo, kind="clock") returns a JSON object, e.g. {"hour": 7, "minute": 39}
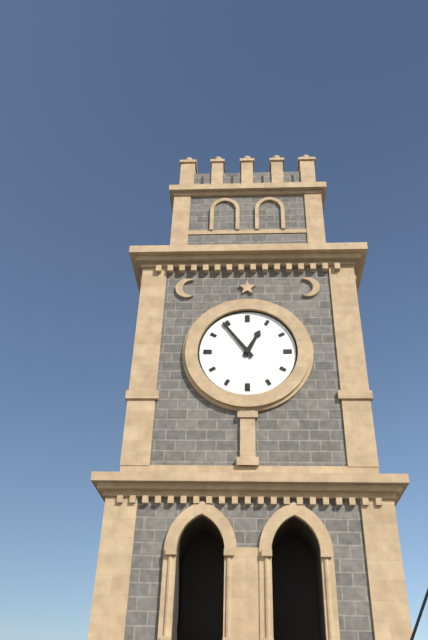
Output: {"hour": 12, "minute": 54}
